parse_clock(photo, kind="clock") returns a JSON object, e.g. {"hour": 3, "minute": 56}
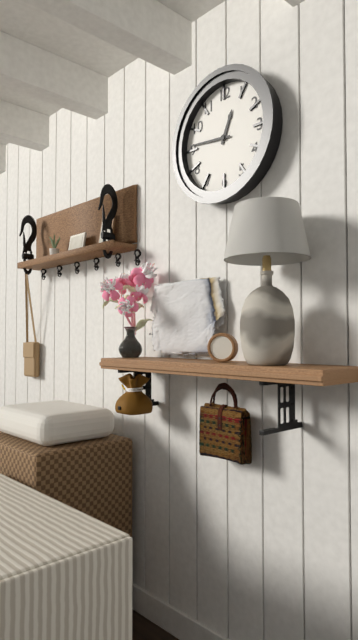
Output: {"hour": 12, "minute": 46}
